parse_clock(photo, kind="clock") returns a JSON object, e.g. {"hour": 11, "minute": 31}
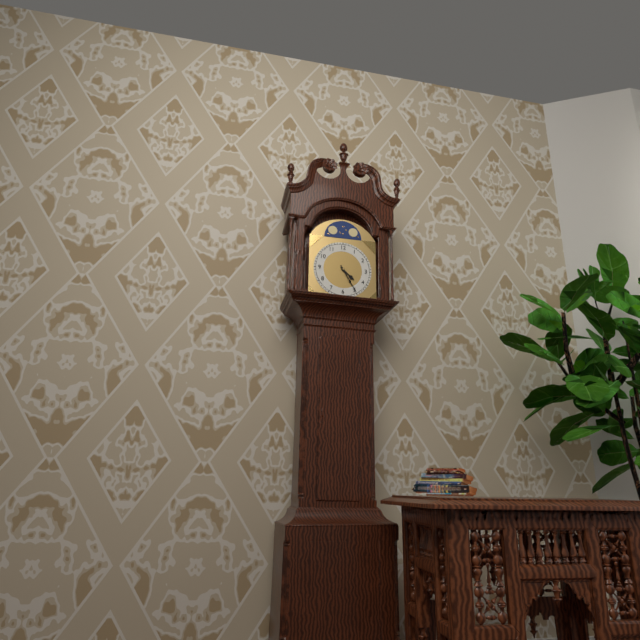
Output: {"hour": 4, "minute": 25}
